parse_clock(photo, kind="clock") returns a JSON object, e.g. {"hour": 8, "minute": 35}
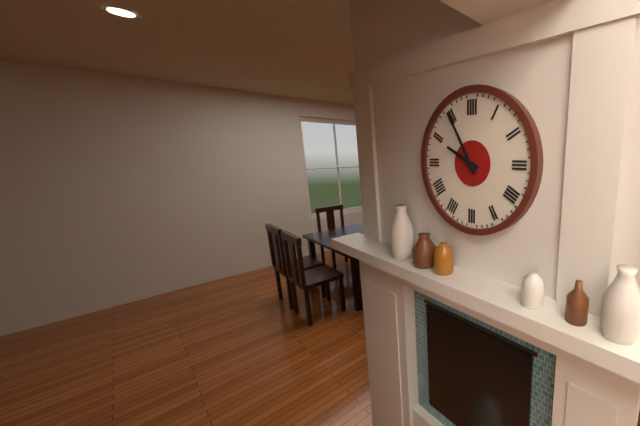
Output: {"hour": 9, "minute": 55}
